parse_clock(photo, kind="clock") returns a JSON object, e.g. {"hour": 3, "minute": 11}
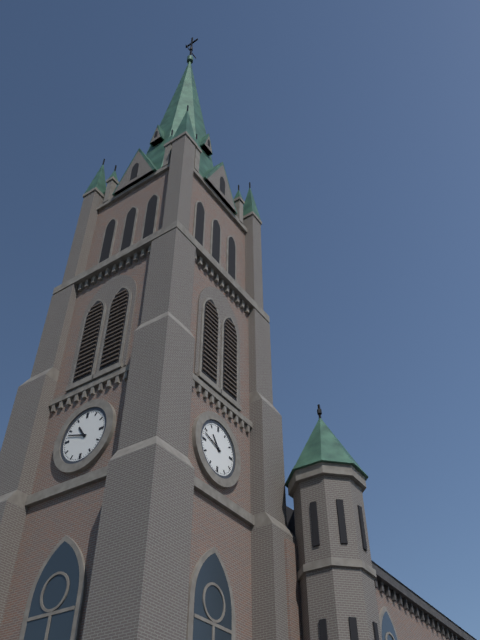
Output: {"hour": 10, "minute": 48}
